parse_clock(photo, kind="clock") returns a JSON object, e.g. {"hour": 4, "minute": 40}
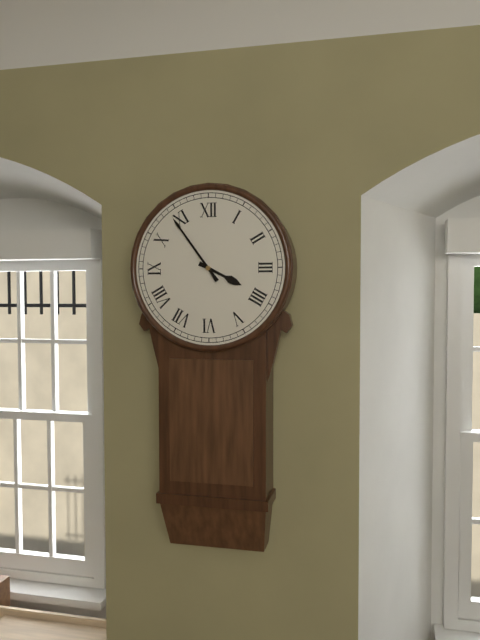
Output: {"hour": 3, "minute": 54}
